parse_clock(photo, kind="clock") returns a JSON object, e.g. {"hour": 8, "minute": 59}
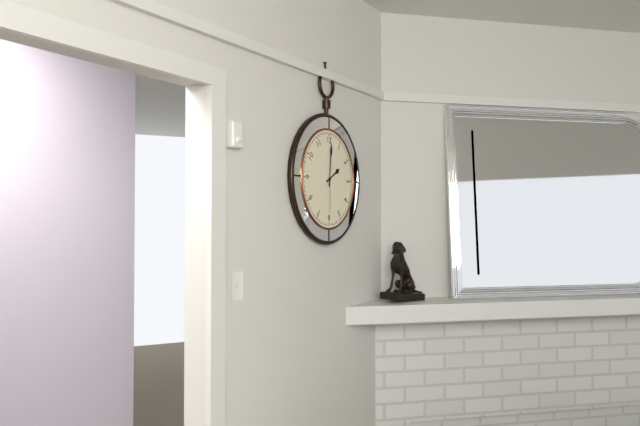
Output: {"hour": 2, "minute": 1}
